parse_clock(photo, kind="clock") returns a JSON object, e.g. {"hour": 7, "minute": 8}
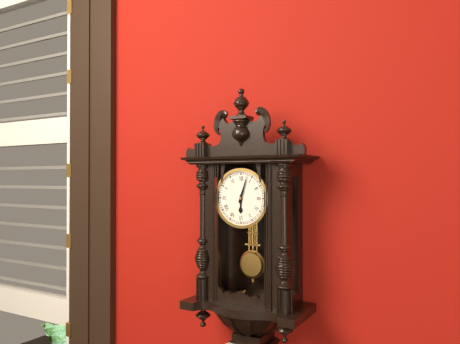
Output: {"hour": 6, "minute": 3}
